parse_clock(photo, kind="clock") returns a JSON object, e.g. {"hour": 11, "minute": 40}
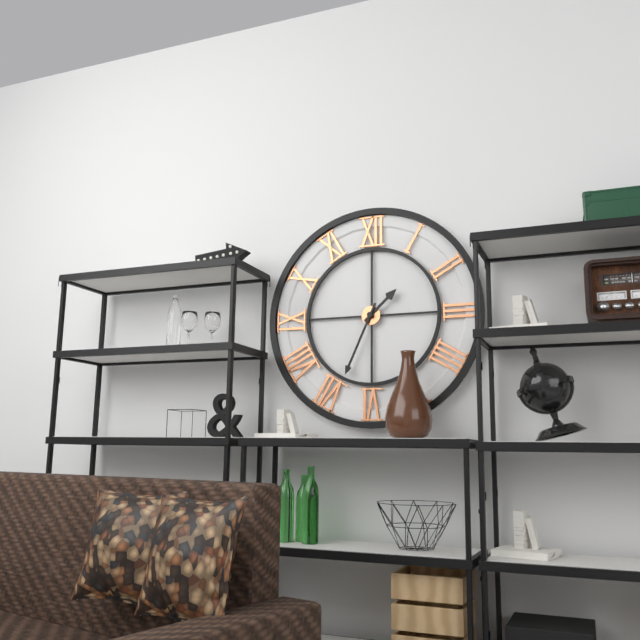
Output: {"hour": 1, "minute": 34}
